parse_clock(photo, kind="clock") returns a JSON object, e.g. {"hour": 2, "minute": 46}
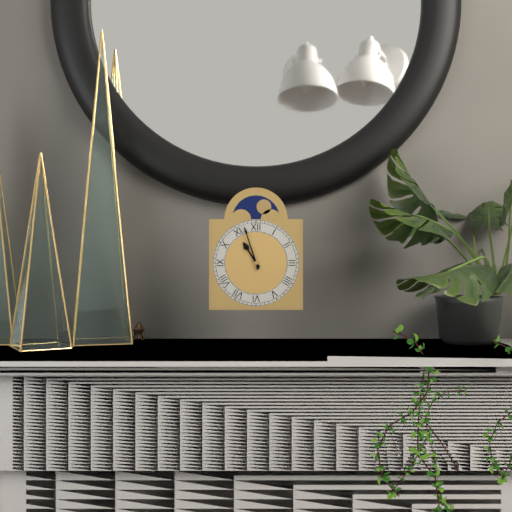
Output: {"hour": 10, "minute": 57}
